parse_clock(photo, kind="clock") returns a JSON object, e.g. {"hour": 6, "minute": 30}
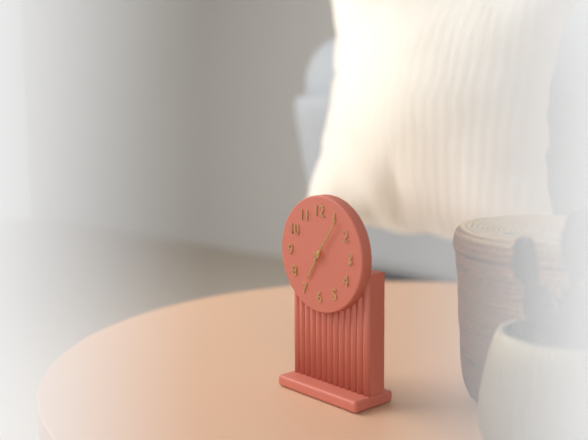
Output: {"hour": 7, "minute": 6}
